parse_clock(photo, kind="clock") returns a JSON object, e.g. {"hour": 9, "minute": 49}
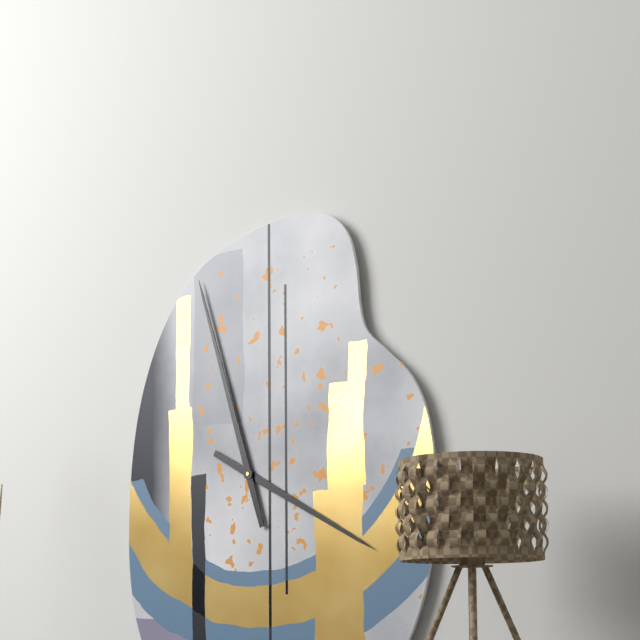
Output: {"hour": 3, "minute": 57}
